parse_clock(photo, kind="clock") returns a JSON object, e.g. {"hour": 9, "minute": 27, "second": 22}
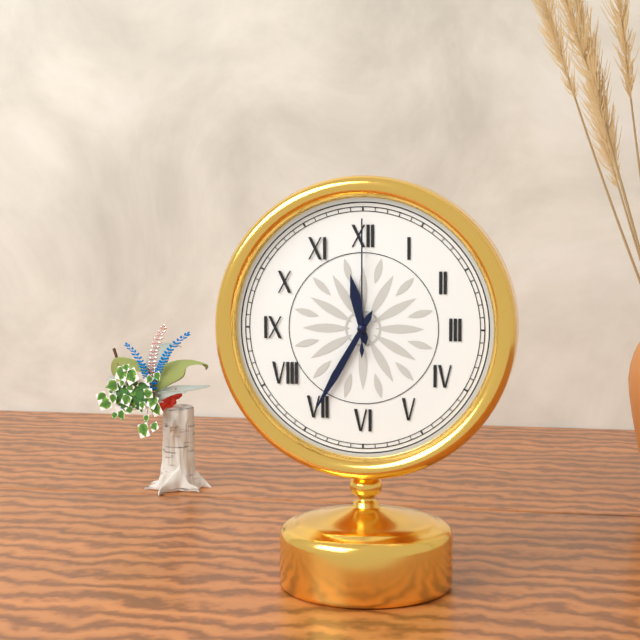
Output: {"hour": 11, "minute": 35, "second": 0}
